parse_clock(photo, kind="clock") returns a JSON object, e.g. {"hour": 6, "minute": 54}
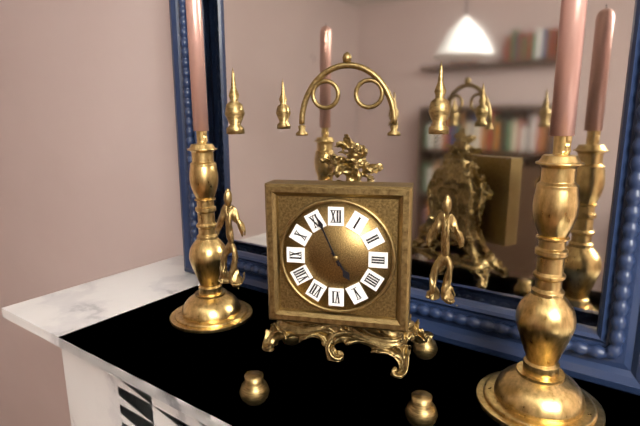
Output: {"hour": 4, "minute": 56}
